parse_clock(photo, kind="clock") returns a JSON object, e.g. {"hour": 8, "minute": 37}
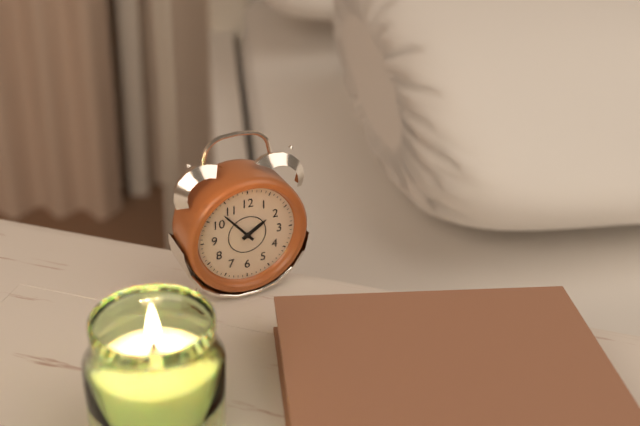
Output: {"hour": 1, "minute": 53}
